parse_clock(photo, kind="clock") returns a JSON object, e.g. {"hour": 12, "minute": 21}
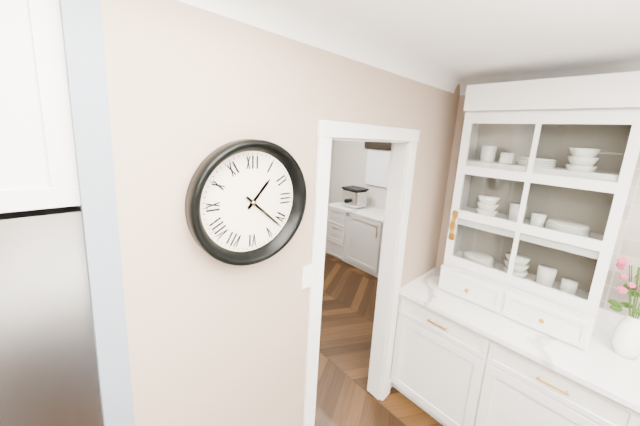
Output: {"hour": 1, "minute": 22}
